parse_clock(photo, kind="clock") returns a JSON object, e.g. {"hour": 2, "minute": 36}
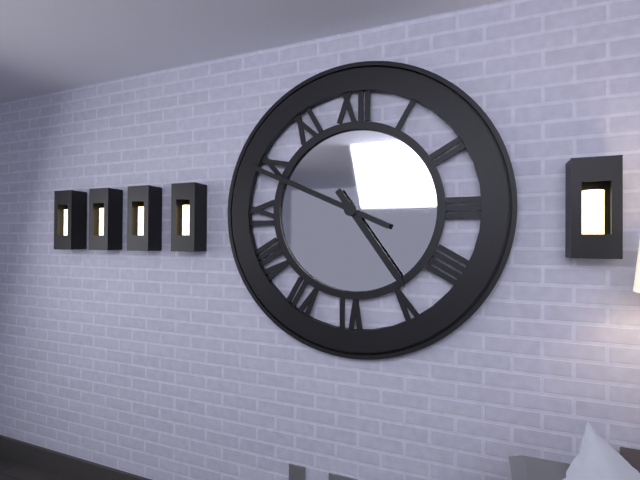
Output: {"hour": 4, "minute": 49}
